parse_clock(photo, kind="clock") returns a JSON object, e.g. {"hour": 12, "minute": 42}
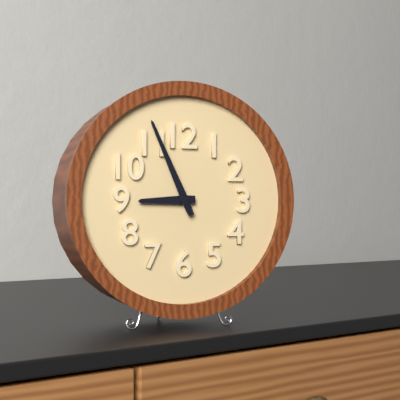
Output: {"hour": 8, "minute": 56}
